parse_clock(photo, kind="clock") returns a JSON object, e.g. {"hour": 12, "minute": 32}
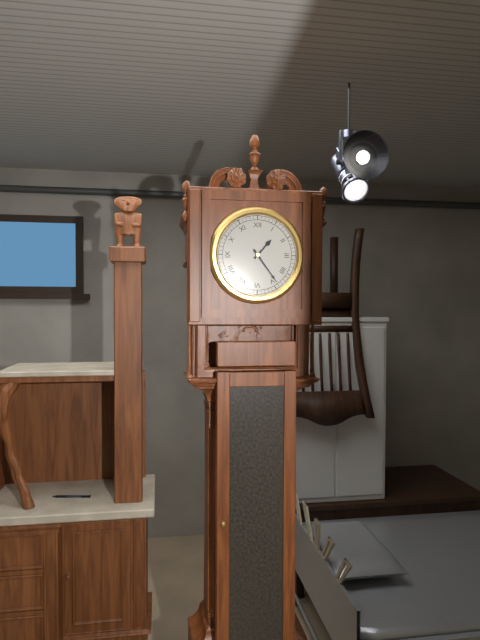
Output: {"hour": 1, "minute": 24}
